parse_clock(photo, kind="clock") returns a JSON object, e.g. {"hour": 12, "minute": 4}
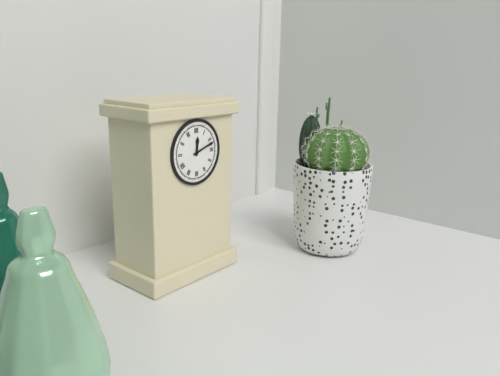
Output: {"hour": 12, "minute": 12}
